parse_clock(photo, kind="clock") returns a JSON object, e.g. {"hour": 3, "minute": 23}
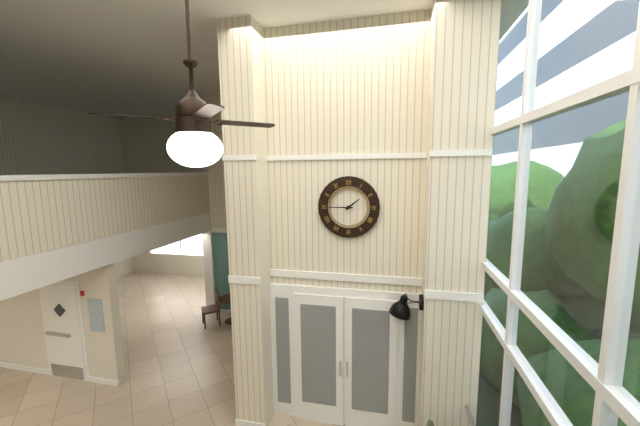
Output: {"hour": 1, "minute": 45}
